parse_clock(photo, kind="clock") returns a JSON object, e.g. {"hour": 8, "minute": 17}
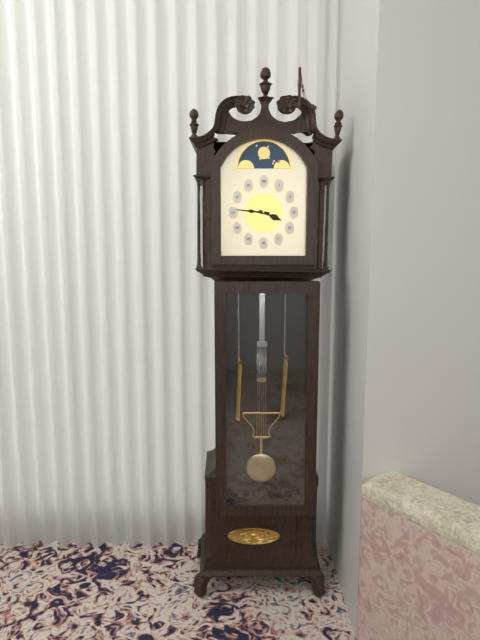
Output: {"hour": 3, "minute": 46}
